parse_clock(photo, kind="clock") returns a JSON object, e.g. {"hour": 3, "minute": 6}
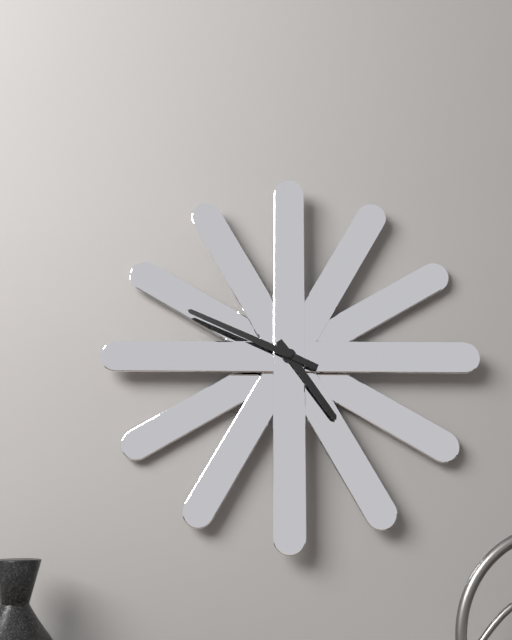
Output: {"hour": 4, "minute": 49}
